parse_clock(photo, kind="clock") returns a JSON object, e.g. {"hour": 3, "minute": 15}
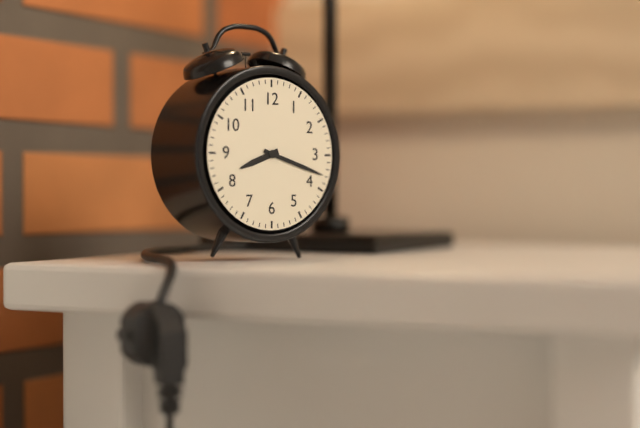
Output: {"hour": 8, "minute": 18}
